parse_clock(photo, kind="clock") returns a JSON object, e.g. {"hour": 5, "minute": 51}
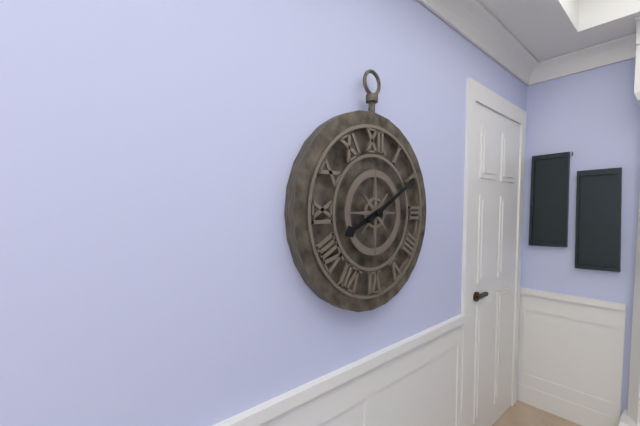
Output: {"hour": 8, "minute": 10}
